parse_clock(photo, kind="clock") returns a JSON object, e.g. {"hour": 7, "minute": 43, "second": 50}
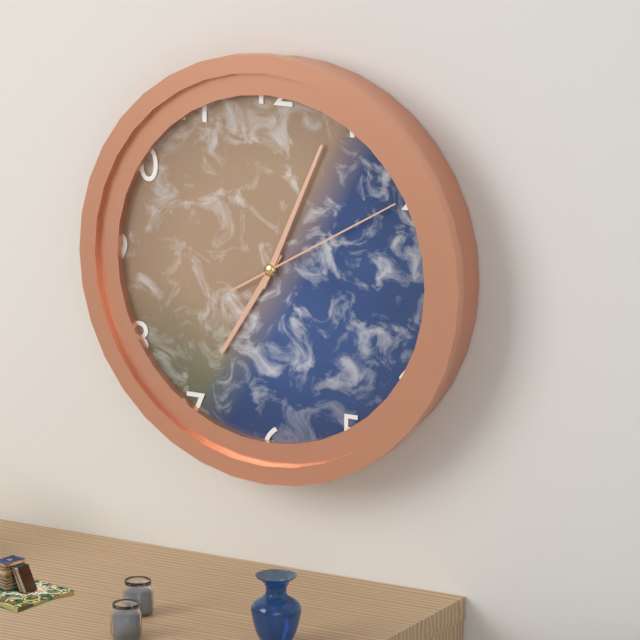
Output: {"hour": 7, "minute": 4, "second": 10}
